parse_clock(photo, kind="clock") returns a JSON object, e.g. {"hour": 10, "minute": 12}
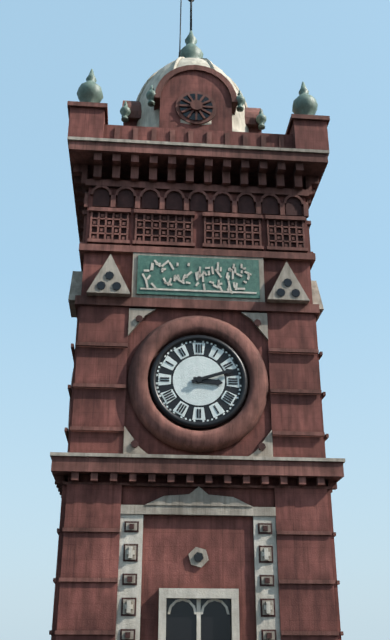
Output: {"hour": 3, "minute": 12}
